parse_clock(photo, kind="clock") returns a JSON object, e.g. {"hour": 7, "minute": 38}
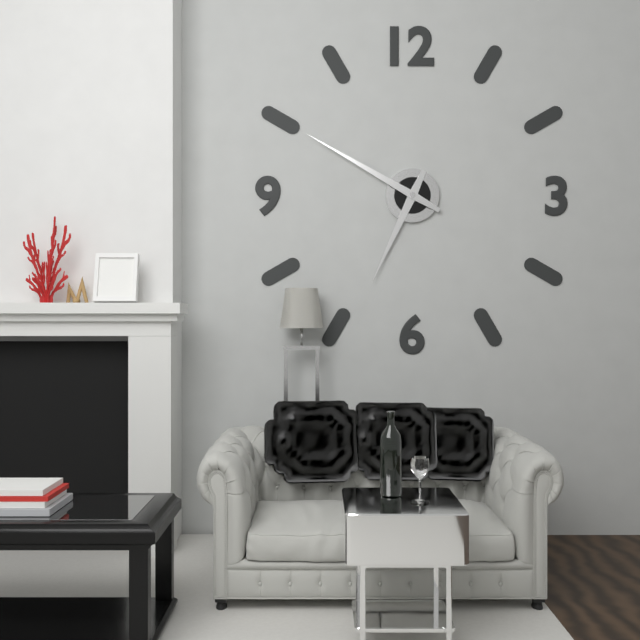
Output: {"hour": 6, "minute": 50}
